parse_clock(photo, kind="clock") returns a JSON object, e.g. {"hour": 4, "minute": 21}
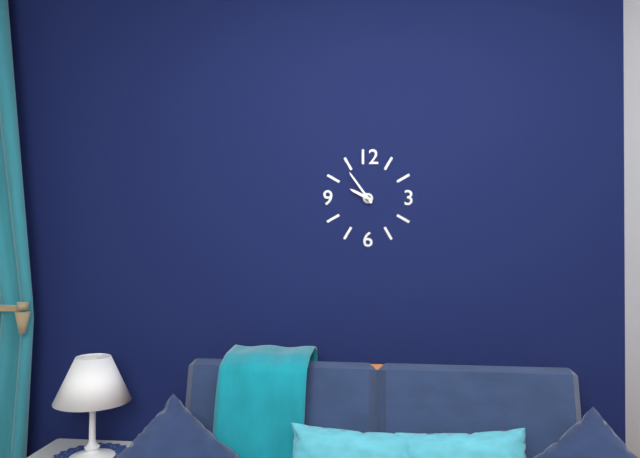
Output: {"hour": 9, "minute": 54}
